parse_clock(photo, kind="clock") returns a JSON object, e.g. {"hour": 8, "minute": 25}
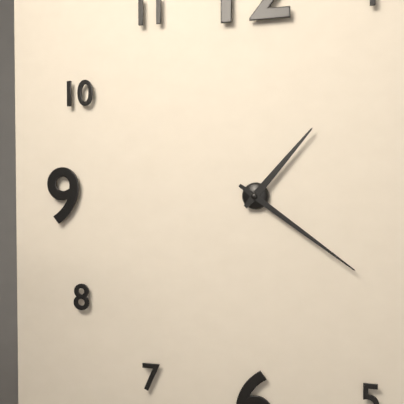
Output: {"hour": 1, "minute": 21}
